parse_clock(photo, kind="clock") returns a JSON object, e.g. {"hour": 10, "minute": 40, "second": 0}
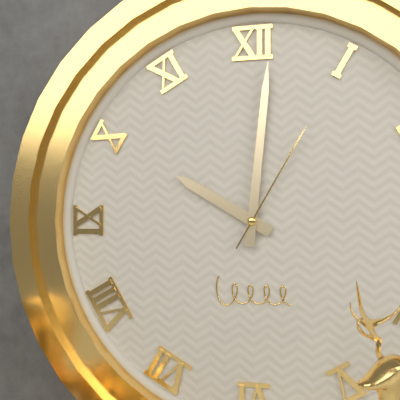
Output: {"hour": 10, "minute": 1, "second": 5}
